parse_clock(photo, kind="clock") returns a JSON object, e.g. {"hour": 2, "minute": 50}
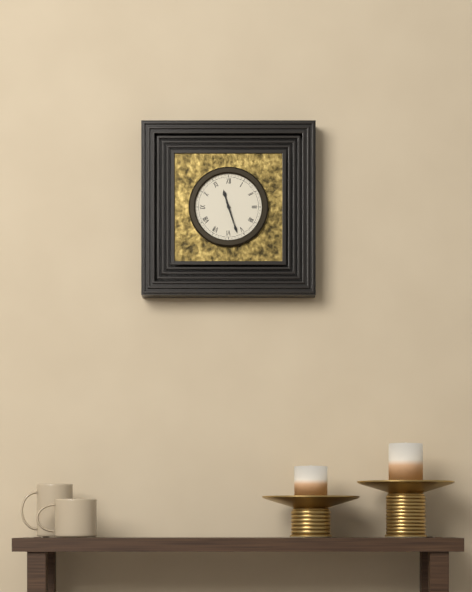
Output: {"hour": 11, "minute": 27}
